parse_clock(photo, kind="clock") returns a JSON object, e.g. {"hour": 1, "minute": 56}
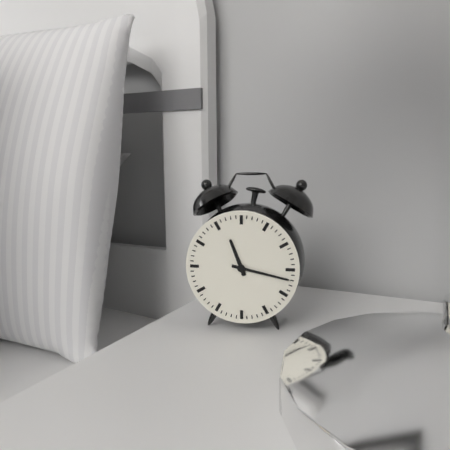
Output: {"hour": 11, "minute": 17}
